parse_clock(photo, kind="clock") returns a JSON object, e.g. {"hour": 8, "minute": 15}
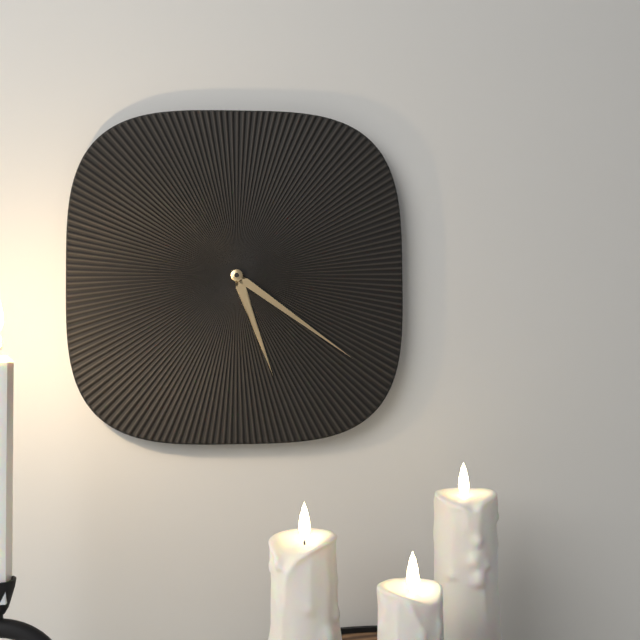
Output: {"hour": 5, "minute": 21}
